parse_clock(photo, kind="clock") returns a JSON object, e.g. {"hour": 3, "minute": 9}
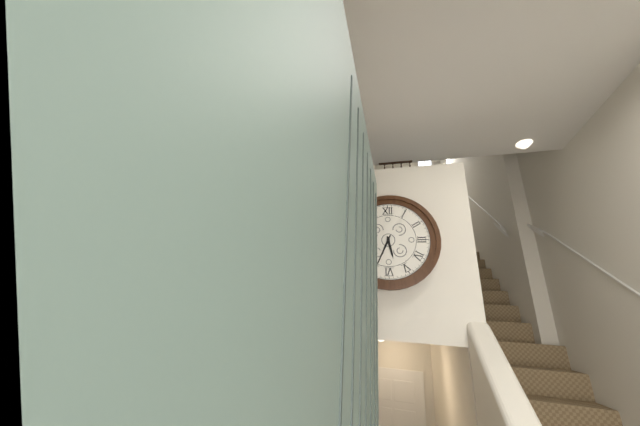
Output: {"hour": 5, "minute": 34}
